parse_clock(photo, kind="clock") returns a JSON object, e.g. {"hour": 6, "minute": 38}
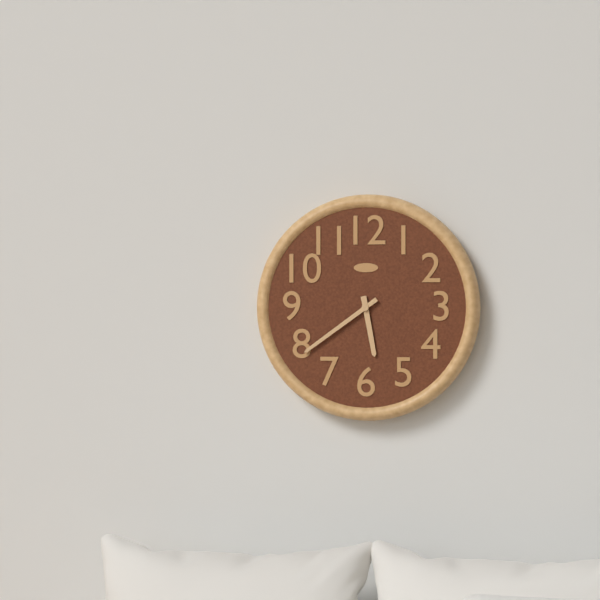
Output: {"hour": 5, "minute": 39}
